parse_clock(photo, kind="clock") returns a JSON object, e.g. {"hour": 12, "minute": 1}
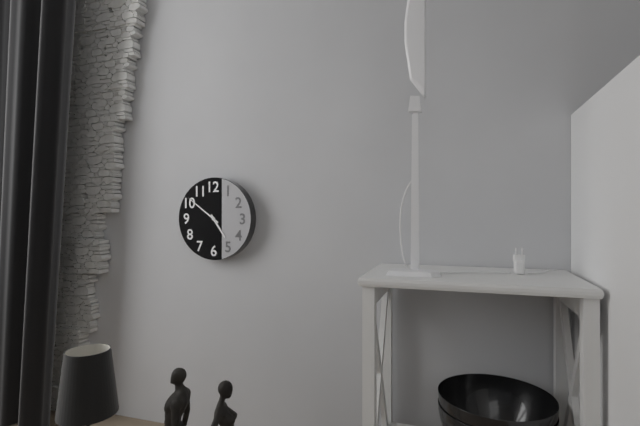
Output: {"hour": 4, "minute": 51}
